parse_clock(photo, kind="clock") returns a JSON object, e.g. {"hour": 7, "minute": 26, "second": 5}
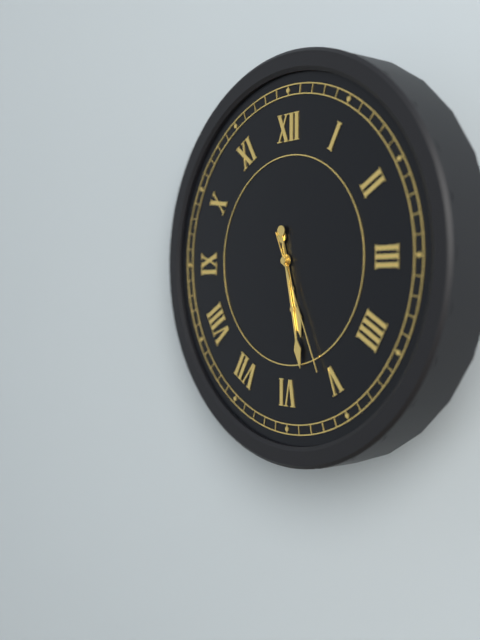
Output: {"hour": 5, "minute": 28, "second": 26}
